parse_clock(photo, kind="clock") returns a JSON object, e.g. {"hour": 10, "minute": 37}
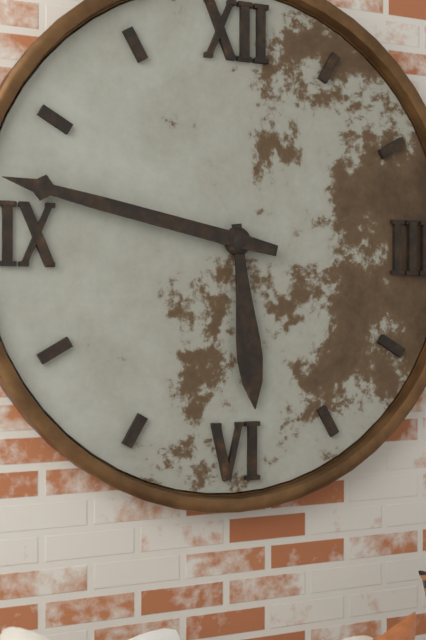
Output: {"hour": 5, "minute": 47}
